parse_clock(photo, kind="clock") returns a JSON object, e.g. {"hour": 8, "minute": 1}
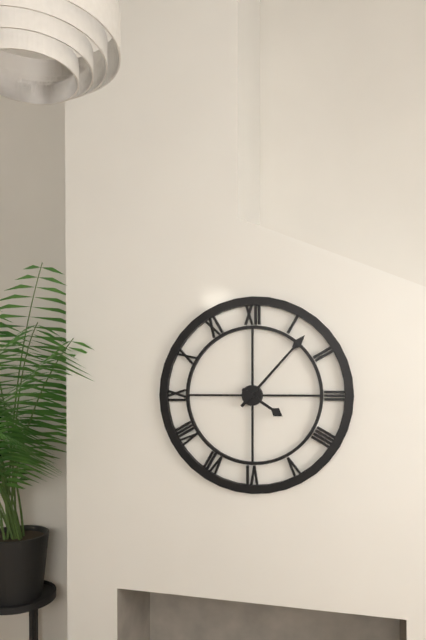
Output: {"hour": 4, "minute": 7}
